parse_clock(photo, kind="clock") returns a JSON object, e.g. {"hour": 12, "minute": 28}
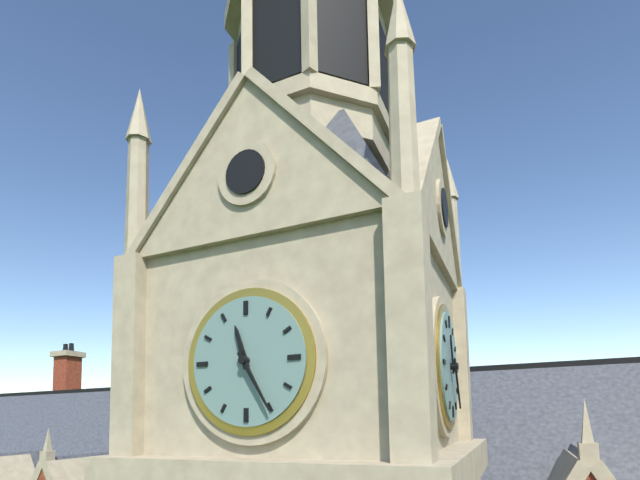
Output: {"hour": 11, "minute": 25}
